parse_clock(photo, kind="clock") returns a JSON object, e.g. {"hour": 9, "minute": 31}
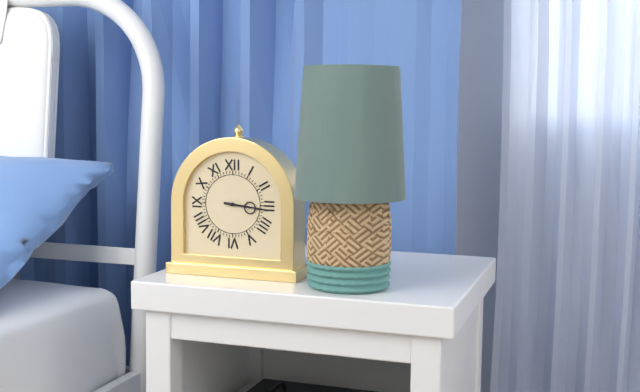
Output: {"hour": 3, "minute": 16}
